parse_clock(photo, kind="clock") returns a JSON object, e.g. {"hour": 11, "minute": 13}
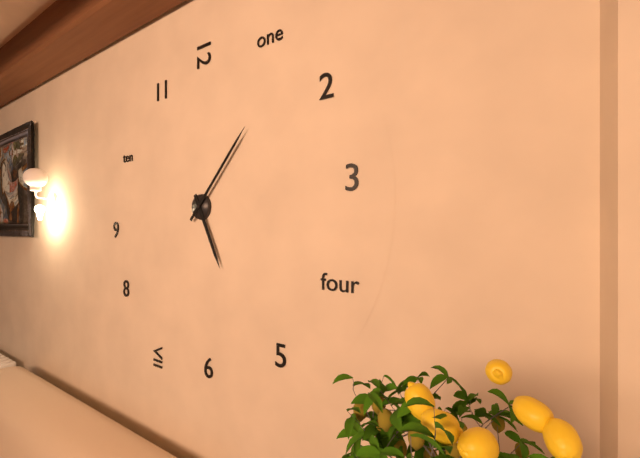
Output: {"hour": 5, "minute": 7}
